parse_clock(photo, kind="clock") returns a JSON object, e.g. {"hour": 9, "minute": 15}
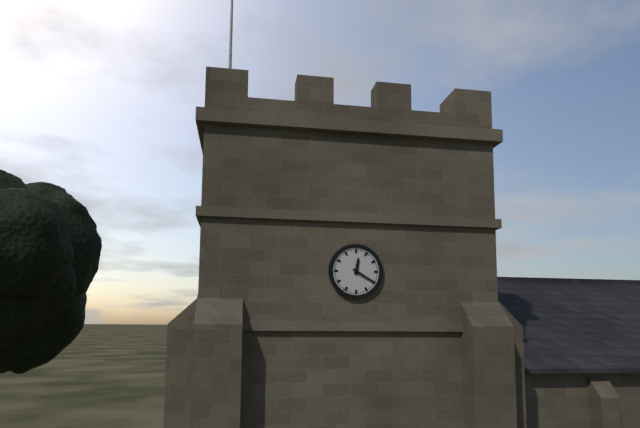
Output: {"hour": 12, "minute": 20}
